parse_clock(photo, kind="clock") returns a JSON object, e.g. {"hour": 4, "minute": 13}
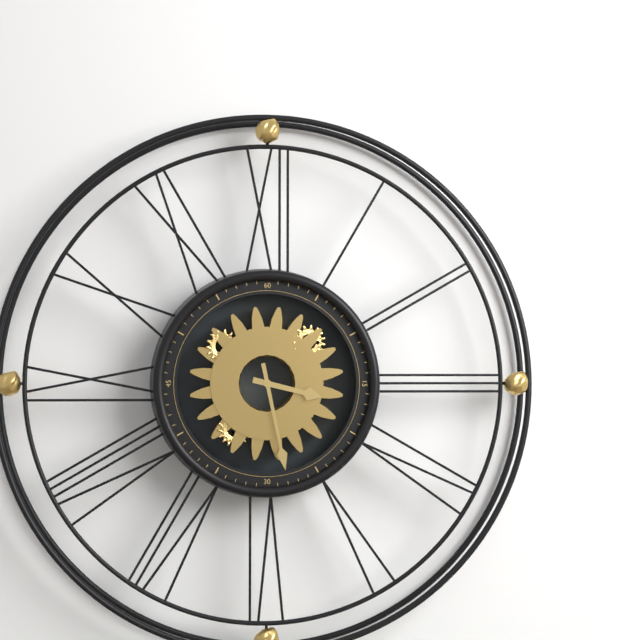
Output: {"hour": 3, "minute": 28}
